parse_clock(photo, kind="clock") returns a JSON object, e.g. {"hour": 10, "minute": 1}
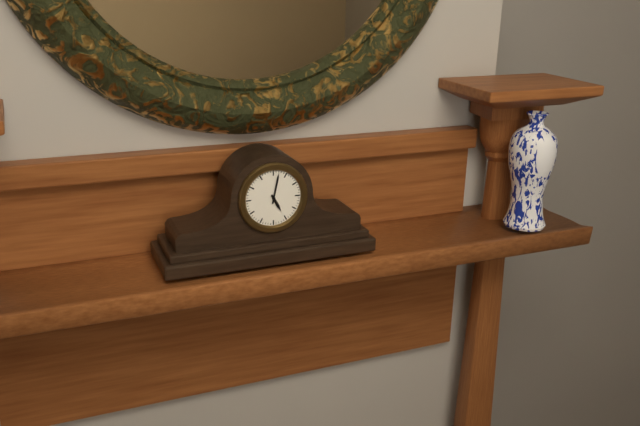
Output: {"hour": 5, "minute": 2}
